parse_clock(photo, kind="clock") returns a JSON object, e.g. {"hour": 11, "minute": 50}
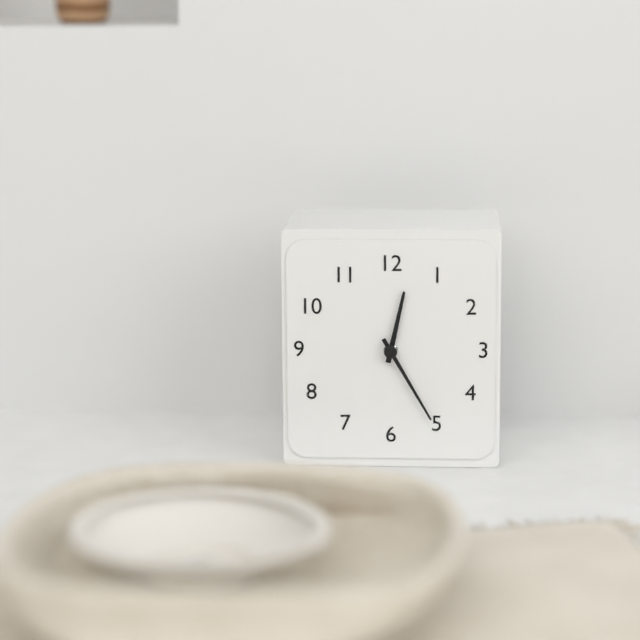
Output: {"hour": 12, "minute": 25}
